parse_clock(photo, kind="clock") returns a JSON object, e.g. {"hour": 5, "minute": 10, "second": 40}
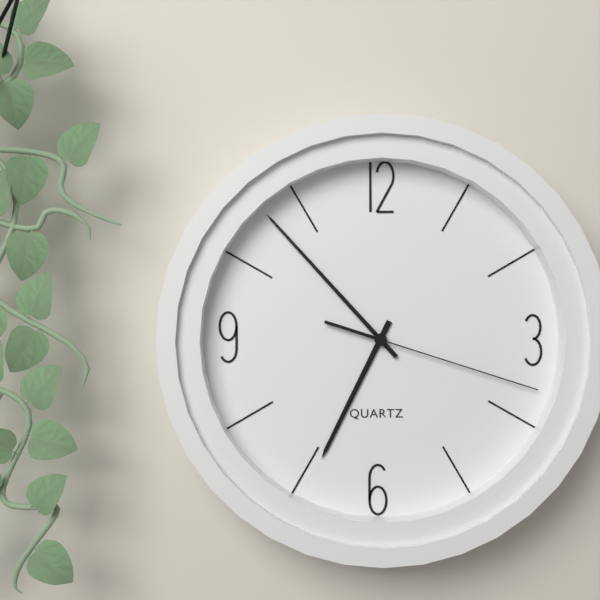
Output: {"hour": 6, "minute": 53, "second": 18}
